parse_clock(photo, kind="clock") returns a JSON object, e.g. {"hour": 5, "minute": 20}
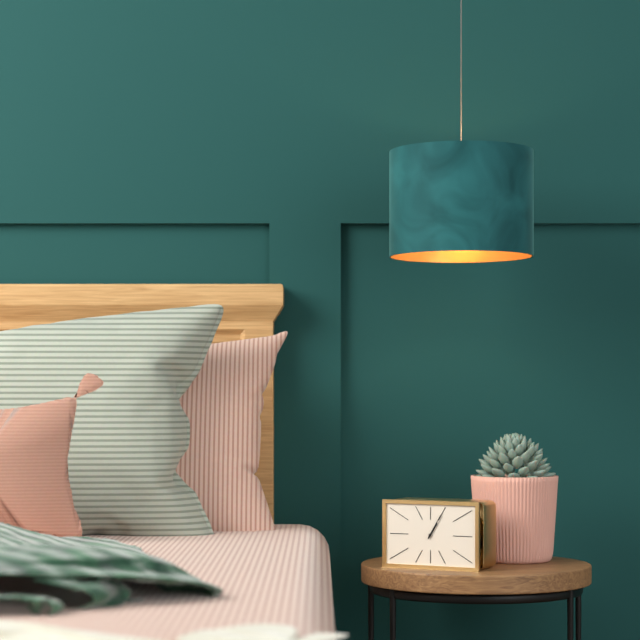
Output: {"hour": 1, "minute": 5}
